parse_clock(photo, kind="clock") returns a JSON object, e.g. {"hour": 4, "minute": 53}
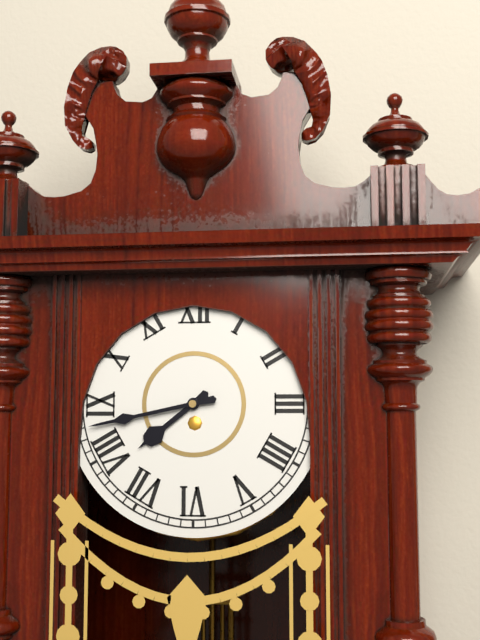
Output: {"hour": 7, "minute": 43}
